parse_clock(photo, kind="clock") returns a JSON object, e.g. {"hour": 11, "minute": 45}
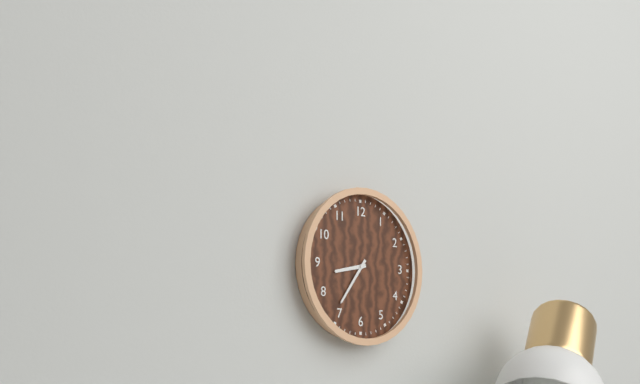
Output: {"hour": 8, "minute": 36}
